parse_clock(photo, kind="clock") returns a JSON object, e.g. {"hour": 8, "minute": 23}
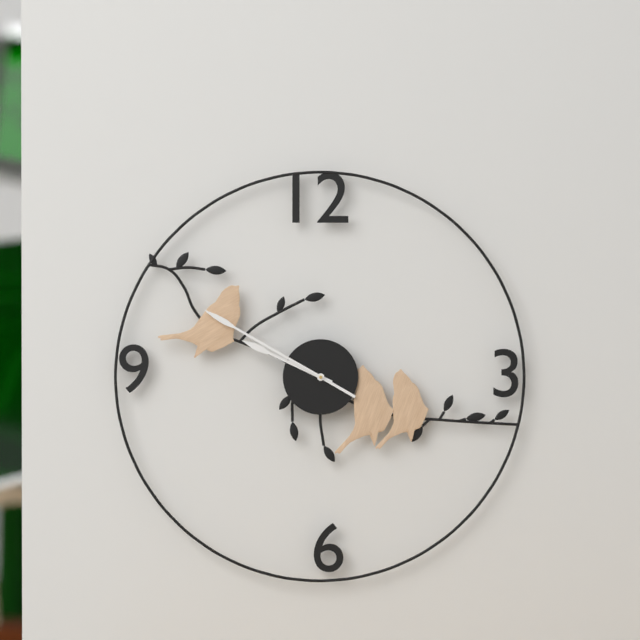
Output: {"hour": 9, "minute": 50}
